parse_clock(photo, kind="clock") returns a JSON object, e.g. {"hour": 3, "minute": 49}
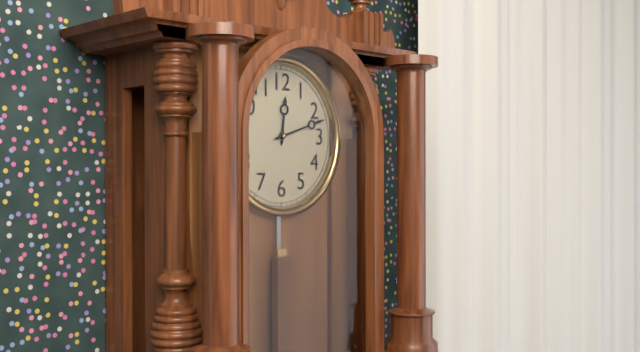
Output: {"hour": 12, "minute": 12}
